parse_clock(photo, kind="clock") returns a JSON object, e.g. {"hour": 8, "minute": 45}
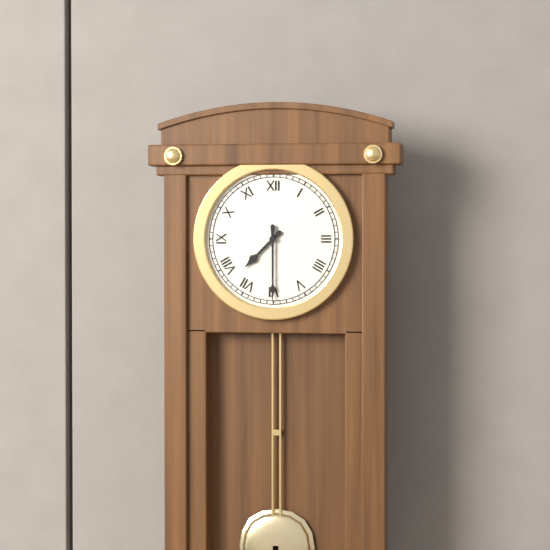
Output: {"hour": 7, "minute": 30}
